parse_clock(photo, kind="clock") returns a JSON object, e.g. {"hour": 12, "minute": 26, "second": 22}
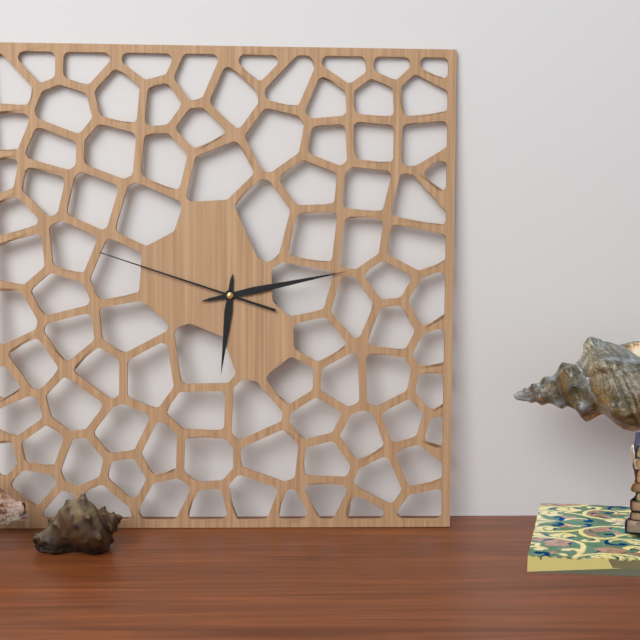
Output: {"hour": 6, "minute": 13, "second": 48}
